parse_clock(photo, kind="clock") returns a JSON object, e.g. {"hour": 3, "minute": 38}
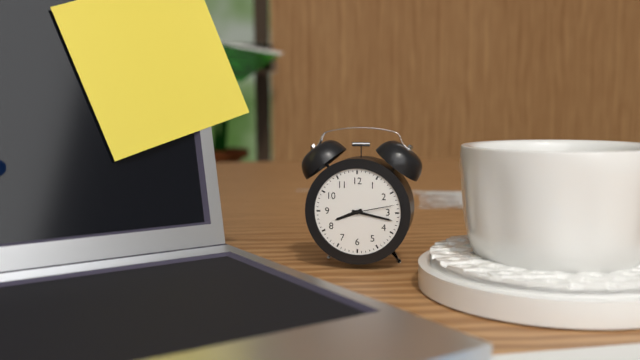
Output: {"hour": 8, "minute": 17}
